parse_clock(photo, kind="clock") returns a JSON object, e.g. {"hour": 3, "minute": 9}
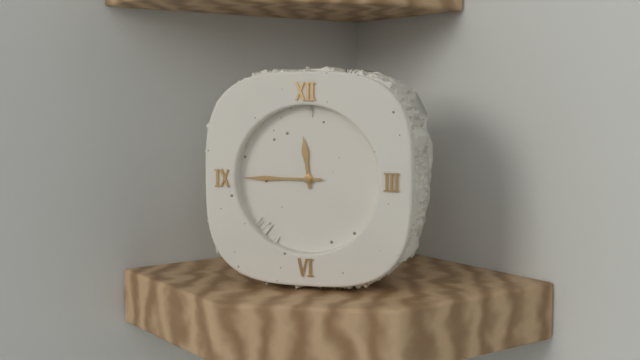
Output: {"hour": 11, "minute": 45}
